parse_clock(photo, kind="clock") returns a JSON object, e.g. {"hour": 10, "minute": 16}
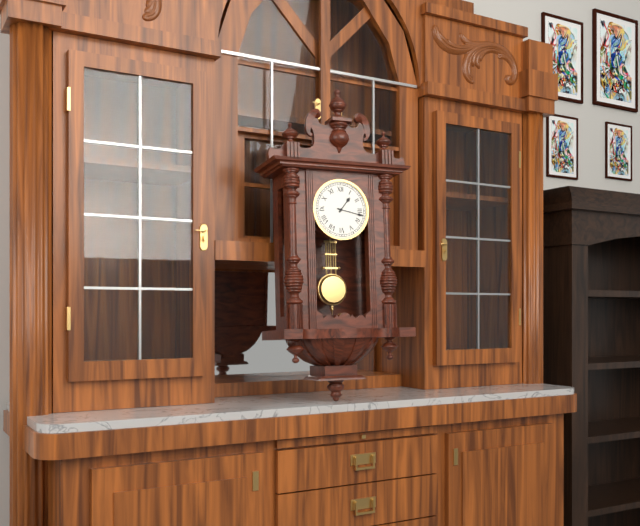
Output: {"hour": 1, "minute": 17}
